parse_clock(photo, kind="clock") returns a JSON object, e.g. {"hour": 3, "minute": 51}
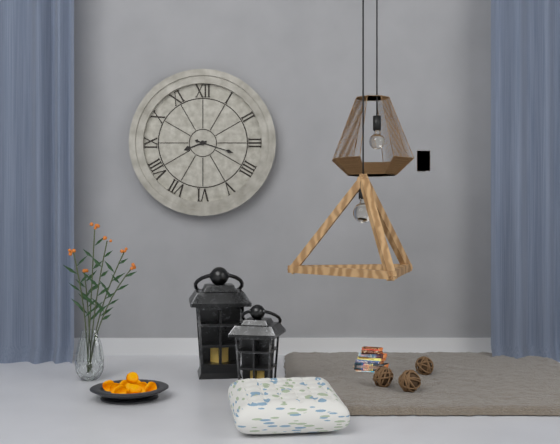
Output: {"hour": 8, "minute": 18}
